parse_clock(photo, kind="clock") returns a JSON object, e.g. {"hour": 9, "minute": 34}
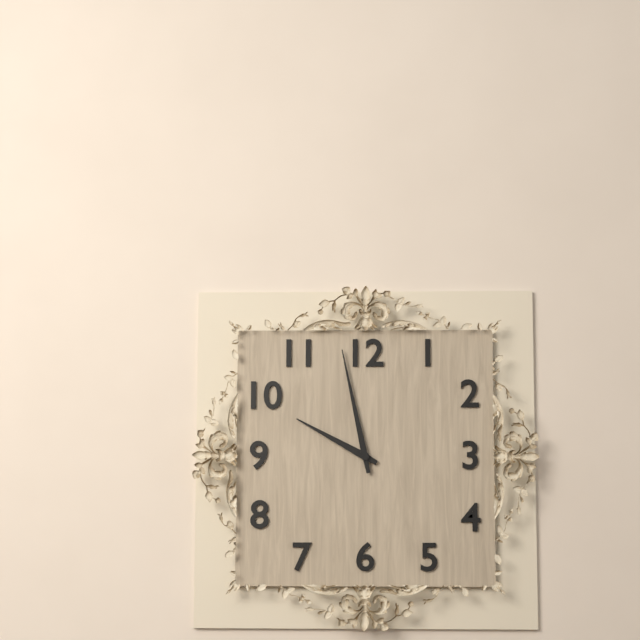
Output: {"hour": 9, "minute": 58}
